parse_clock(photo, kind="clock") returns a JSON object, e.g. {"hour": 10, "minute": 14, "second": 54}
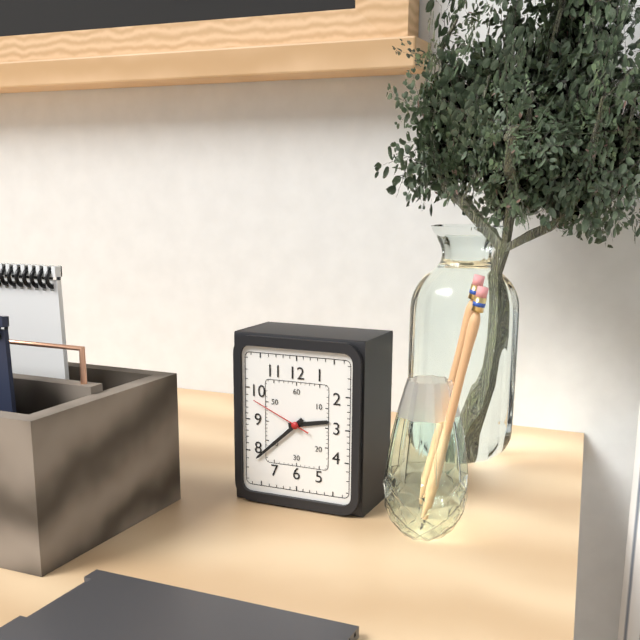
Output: {"hour": 2, "minute": 38, "second": 49}
